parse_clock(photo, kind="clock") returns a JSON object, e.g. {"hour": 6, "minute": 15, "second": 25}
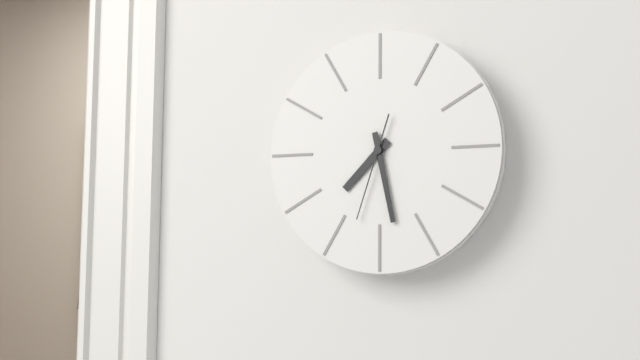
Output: {"hour": 7, "minute": 28, "second": 33}
